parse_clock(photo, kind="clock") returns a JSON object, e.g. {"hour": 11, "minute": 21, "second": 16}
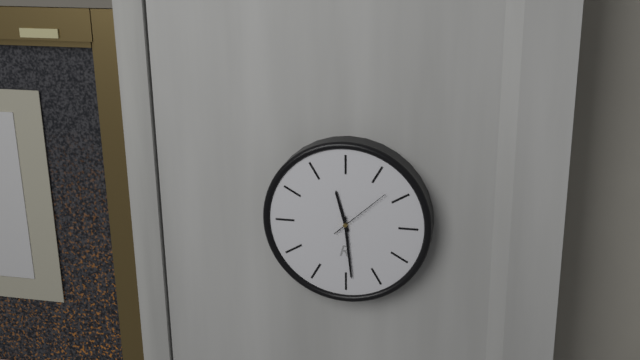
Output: {"hour": 11, "minute": 29, "second": 8}
